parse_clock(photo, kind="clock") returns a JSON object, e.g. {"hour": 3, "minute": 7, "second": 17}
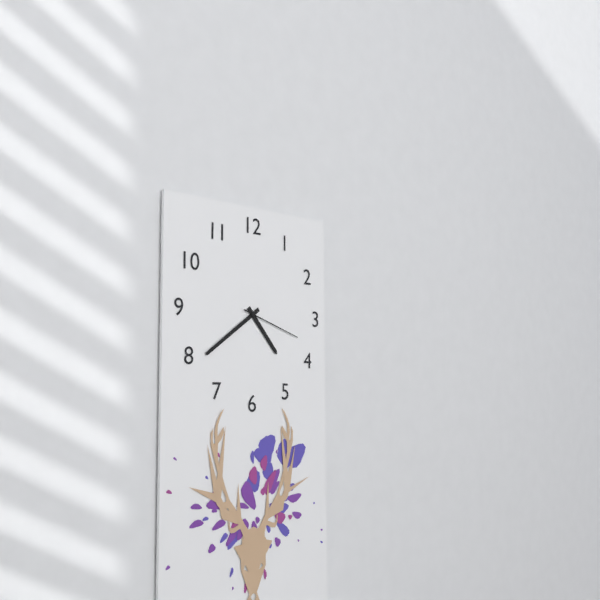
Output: {"hour": 4, "minute": 39, "second": 18}
